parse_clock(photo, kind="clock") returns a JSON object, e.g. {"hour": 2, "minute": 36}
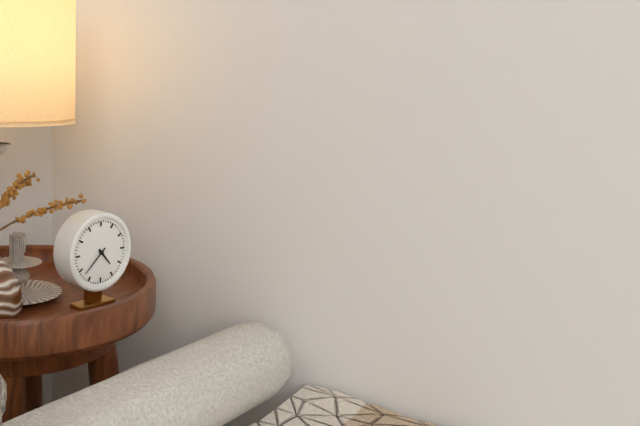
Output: {"hour": 4, "minute": 38}
